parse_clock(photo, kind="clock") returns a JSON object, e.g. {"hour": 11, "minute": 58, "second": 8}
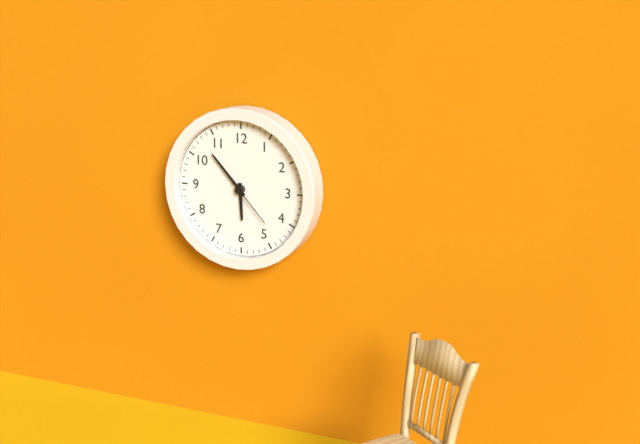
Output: {"hour": 5, "minute": 53, "second": 23}
